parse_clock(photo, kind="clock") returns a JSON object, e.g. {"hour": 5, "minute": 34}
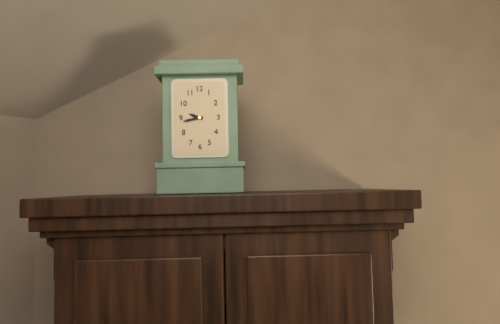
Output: {"hour": 9, "minute": 43}
